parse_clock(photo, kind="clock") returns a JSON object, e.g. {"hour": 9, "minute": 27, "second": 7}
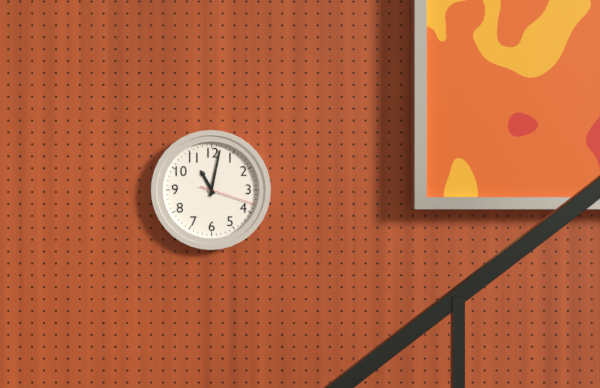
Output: {"hour": 11, "minute": 2, "second": 18}
